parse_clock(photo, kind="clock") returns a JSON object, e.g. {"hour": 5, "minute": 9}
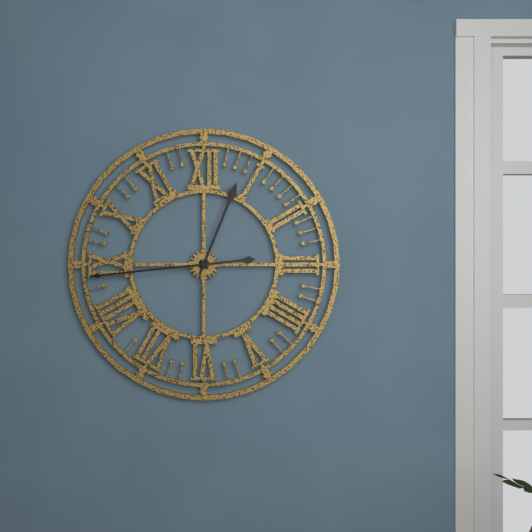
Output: {"hour": 12, "minute": 44}
